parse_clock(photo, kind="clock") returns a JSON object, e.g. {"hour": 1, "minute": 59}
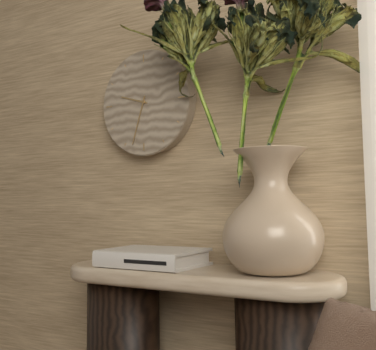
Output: {"hour": 9, "minute": 33}
